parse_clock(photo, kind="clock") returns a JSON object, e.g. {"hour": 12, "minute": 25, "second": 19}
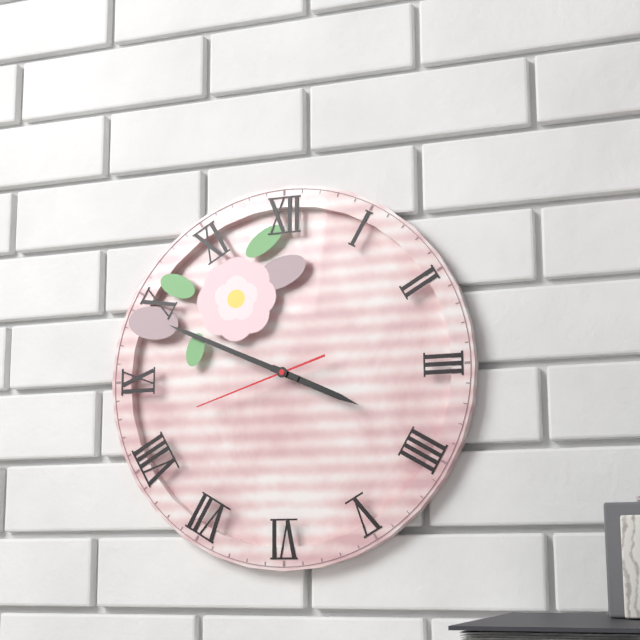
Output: {"hour": 3, "minute": 49, "second": 42}
